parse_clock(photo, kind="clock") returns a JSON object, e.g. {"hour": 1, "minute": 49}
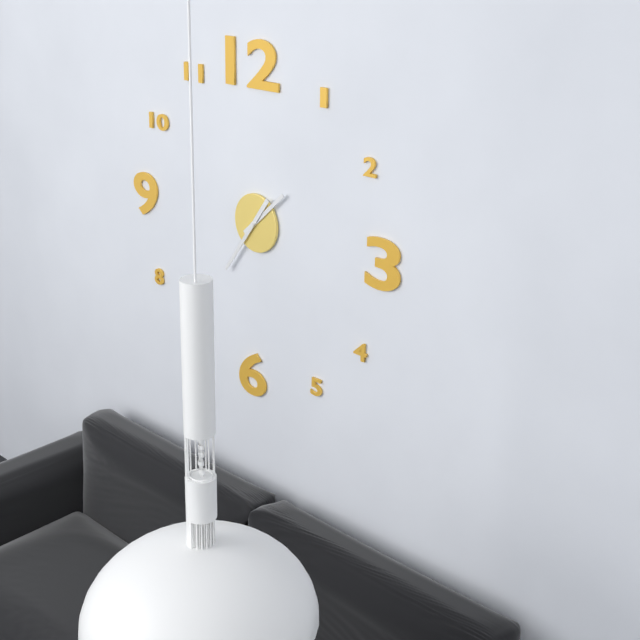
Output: {"hour": 1, "minute": 36}
